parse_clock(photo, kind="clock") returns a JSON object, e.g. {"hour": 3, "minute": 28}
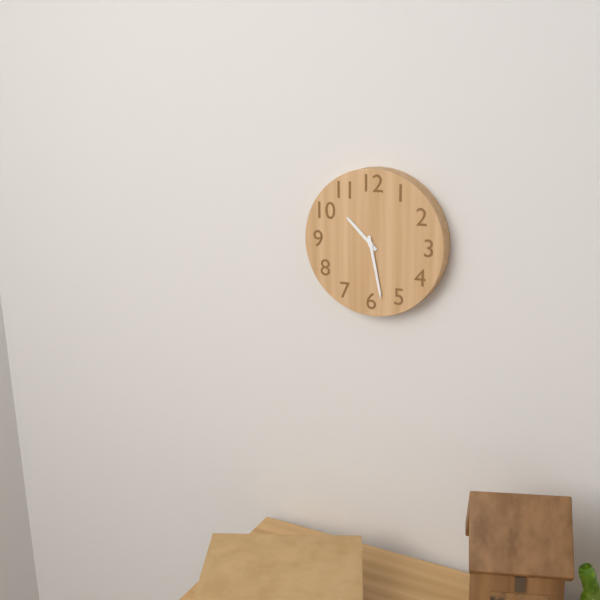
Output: {"hour": 10, "minute": 28}
